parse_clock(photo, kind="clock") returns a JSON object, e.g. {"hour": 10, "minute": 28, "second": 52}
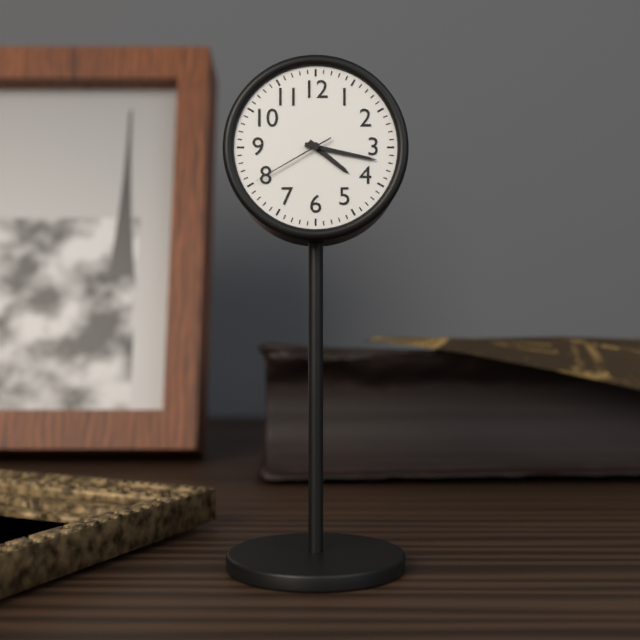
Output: {"hour": 4, "minute": 17, "second": 40}
